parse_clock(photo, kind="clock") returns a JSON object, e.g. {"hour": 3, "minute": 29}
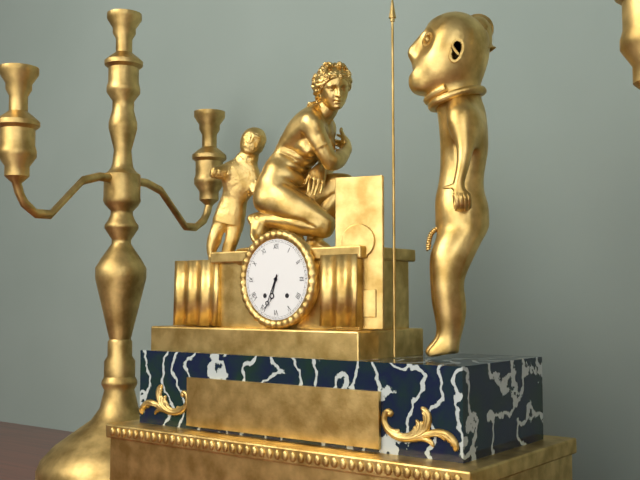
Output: {"hour": 6, "minute": 34}
